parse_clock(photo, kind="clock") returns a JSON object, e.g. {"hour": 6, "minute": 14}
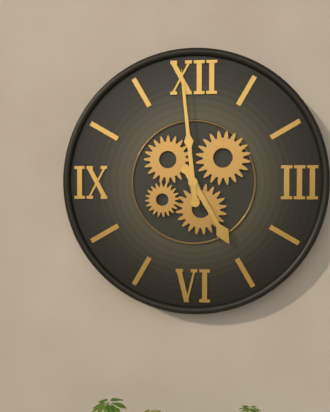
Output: {"hour": 4, "minute": 59}
